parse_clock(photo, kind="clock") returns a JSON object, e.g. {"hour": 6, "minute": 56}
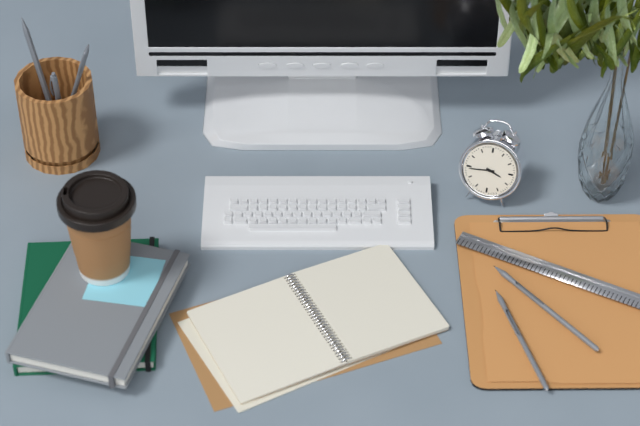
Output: {"hour": 3, "minute": 44}
